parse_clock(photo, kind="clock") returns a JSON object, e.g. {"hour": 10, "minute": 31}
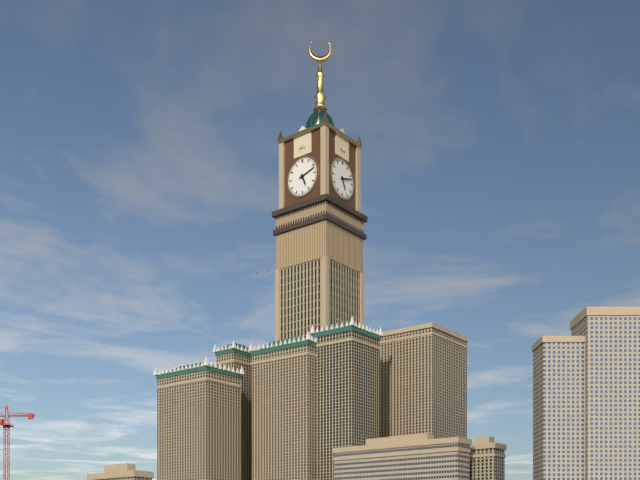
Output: {"hour": 5, "minute": 12}
